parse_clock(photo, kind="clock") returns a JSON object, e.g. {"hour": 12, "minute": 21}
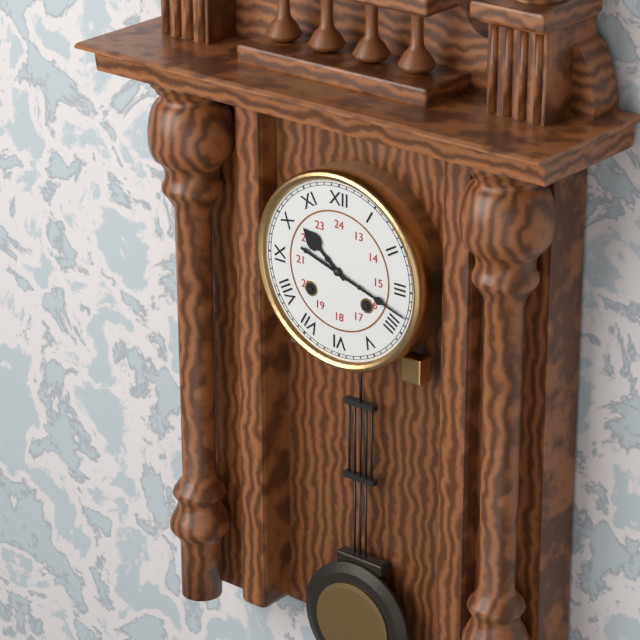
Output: {"hour": 10, "minute": 18}
